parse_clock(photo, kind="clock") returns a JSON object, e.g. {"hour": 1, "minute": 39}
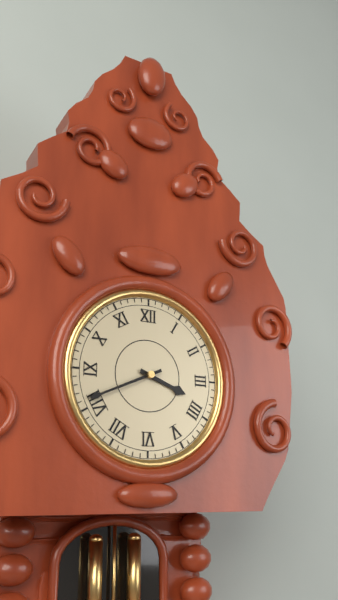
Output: {"hour": 3, "minute": 41}
